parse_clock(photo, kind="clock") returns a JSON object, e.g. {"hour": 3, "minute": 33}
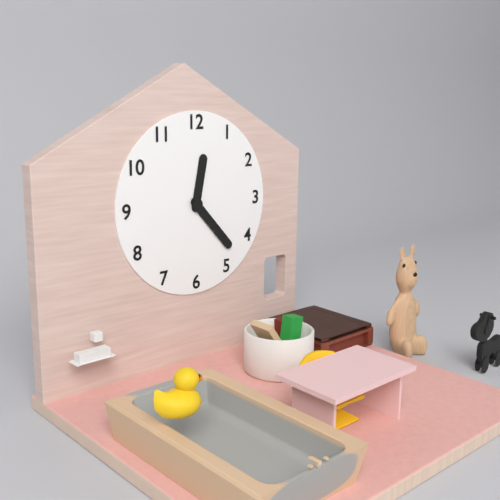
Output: {"hour": 12, "minute": 23}
